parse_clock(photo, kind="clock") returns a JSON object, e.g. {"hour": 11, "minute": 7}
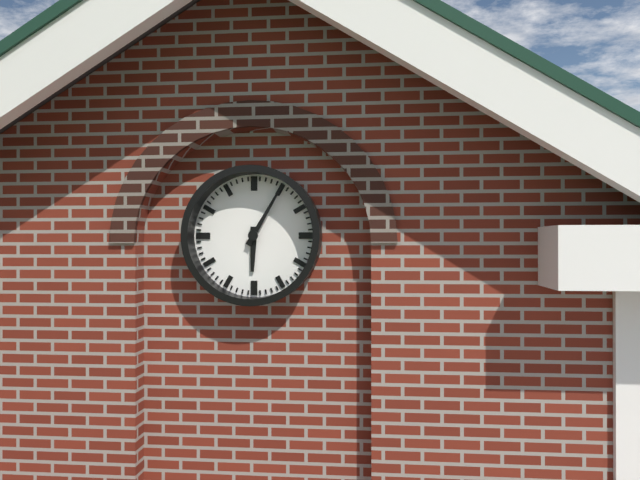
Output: {"hour": 6, "minute": 5}
